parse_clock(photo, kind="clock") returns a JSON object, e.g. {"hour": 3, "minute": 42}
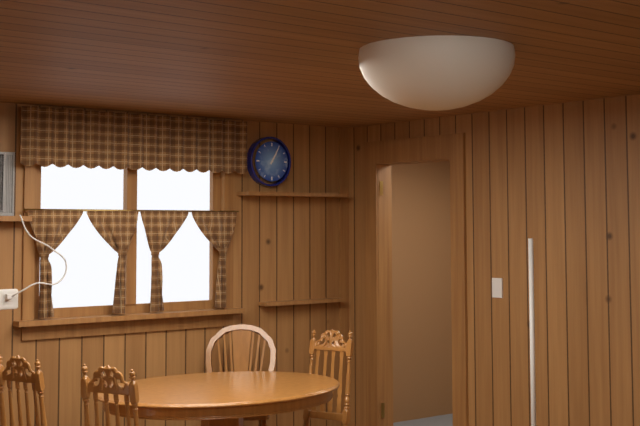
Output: {"hour": 1, "minute": 5}
